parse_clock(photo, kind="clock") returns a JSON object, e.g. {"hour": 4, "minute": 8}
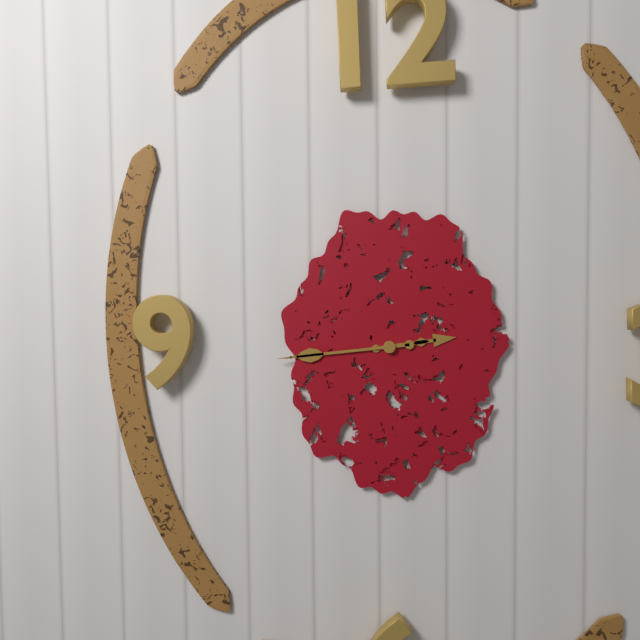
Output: {"hour": 2, "minute": 44}
